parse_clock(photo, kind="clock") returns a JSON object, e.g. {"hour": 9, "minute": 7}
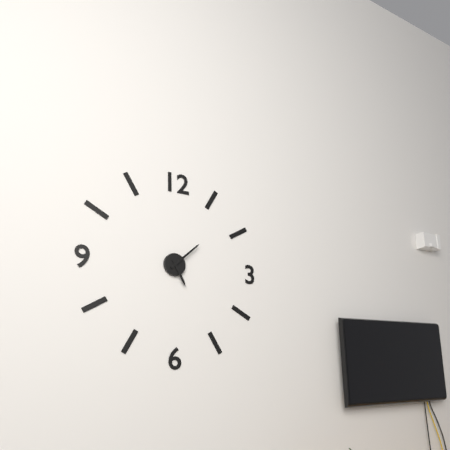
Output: {"hour": 5, "minute": 8}
